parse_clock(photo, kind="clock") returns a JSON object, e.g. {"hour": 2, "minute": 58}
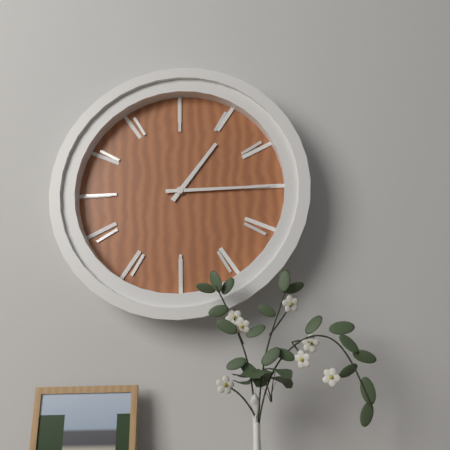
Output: {"hour": 1, "minute": 15}
